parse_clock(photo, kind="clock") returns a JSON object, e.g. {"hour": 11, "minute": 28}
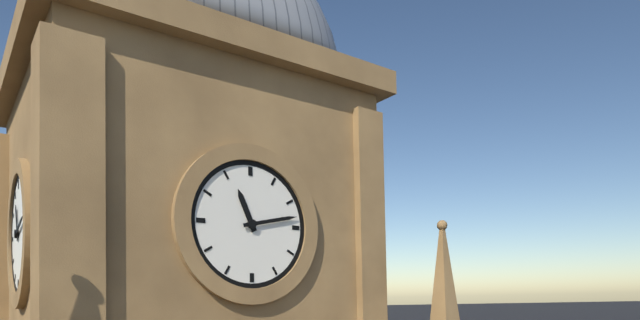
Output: {"hour": 11, "minute": 13}
